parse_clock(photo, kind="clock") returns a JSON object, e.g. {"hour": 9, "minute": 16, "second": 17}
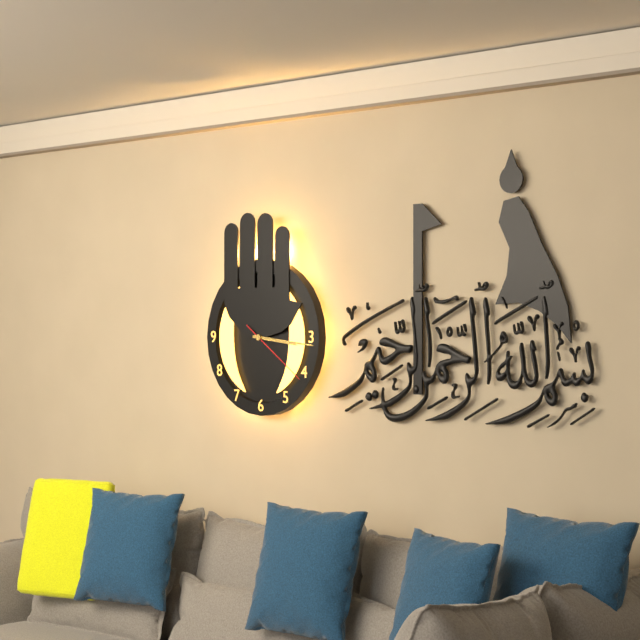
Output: {"hour": 3, "minute": 16, "second": 21}
